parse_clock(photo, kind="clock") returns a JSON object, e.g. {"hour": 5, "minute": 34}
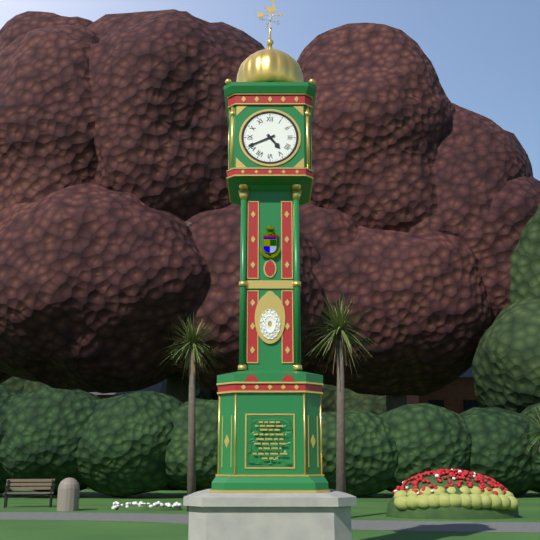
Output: {"hour": 4, "minute": 41}
